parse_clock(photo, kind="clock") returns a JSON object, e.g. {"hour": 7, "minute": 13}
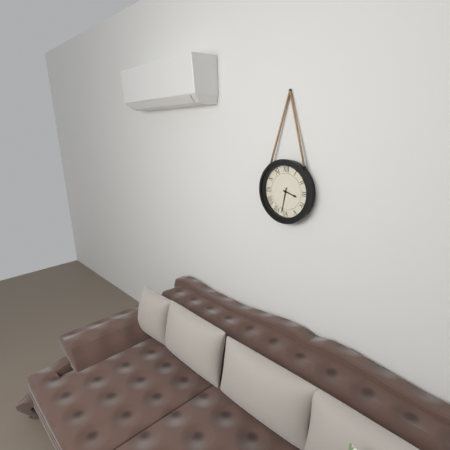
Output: {"hour": 3, "minute": 32}
